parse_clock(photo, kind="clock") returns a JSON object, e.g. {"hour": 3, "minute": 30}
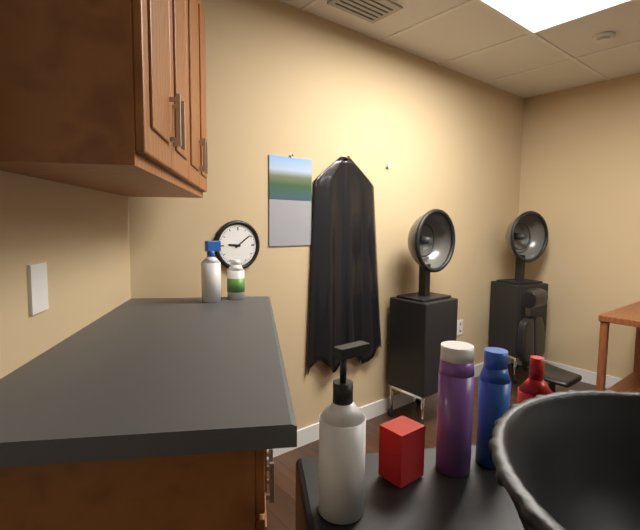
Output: {"hour": 9, "minute": 9}
